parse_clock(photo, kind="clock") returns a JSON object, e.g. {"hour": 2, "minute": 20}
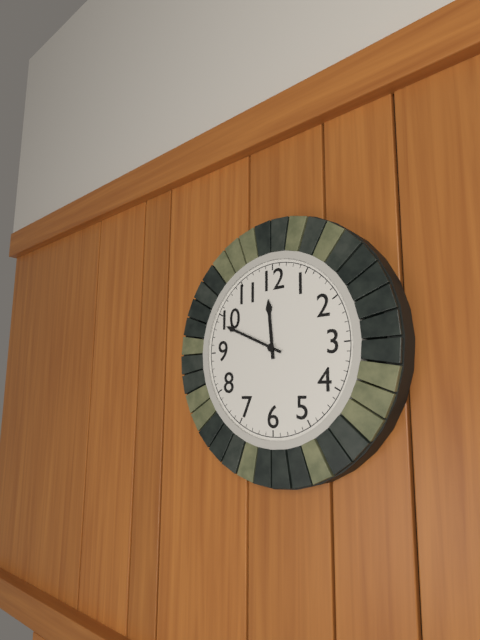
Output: {"hour": 11, "minute": 49}
